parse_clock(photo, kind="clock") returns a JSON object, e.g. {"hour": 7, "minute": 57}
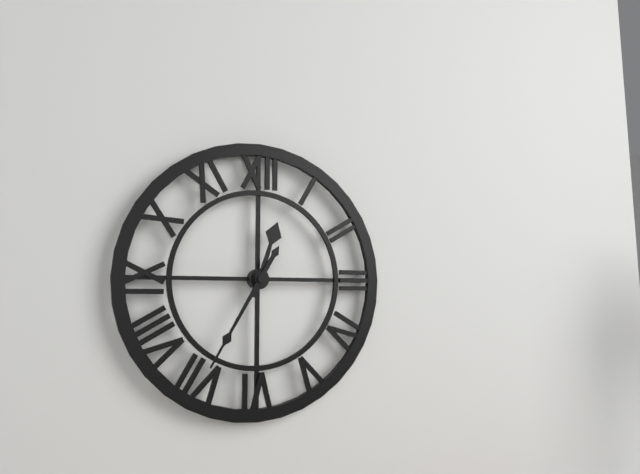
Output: {"hour": 12, "minute": 35}
